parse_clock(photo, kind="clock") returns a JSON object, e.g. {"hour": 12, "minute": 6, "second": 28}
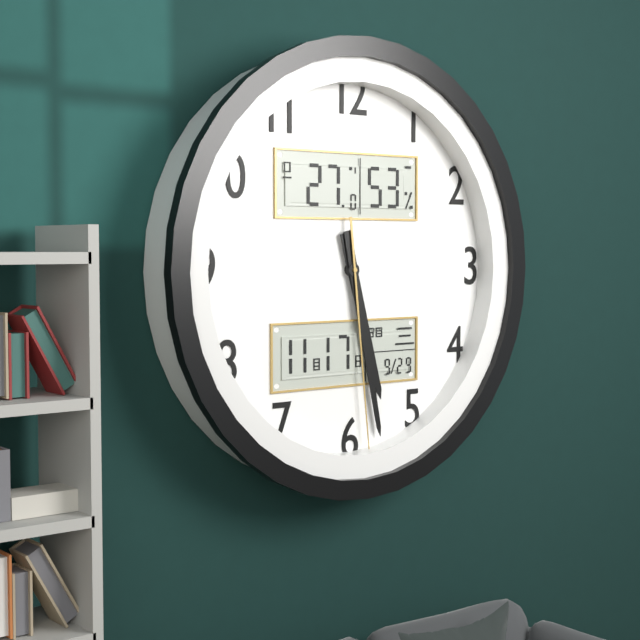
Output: {"hour": 5, "minute": 28, "second": 29}
